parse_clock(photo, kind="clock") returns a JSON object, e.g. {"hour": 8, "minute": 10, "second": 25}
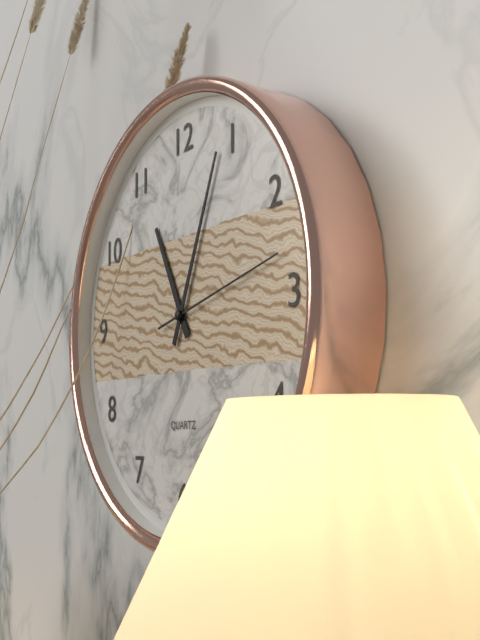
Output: {"hour": 11, "minute": 4, "second": 13}
